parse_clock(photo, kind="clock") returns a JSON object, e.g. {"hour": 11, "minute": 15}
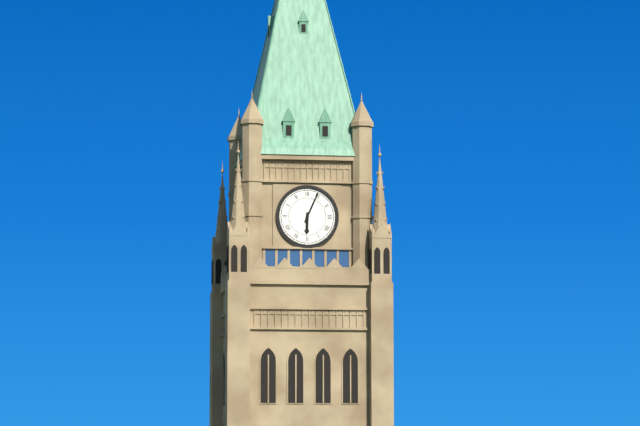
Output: {"hour": 6, "minute": 4}
